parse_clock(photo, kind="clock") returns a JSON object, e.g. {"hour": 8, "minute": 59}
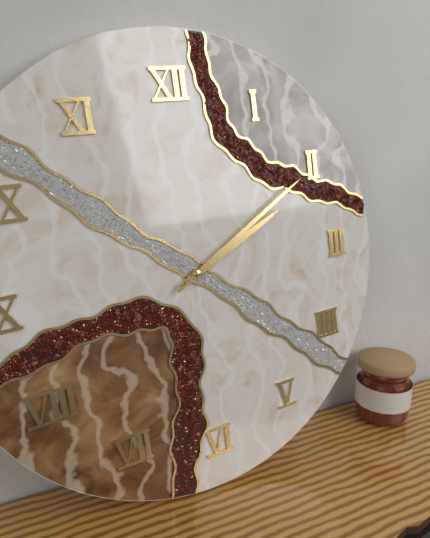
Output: {"hour": 2, "minute": 10}
